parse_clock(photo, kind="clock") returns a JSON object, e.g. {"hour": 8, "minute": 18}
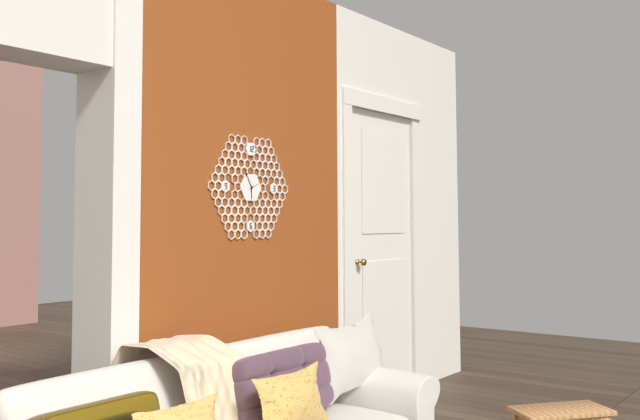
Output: {"hour": 5, "minute": 55}
